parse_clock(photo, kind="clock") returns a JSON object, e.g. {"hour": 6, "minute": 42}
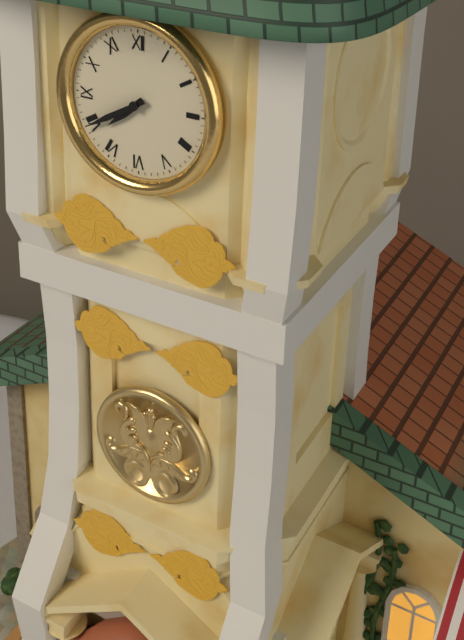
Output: {"hour": 7, "minute": 40}
